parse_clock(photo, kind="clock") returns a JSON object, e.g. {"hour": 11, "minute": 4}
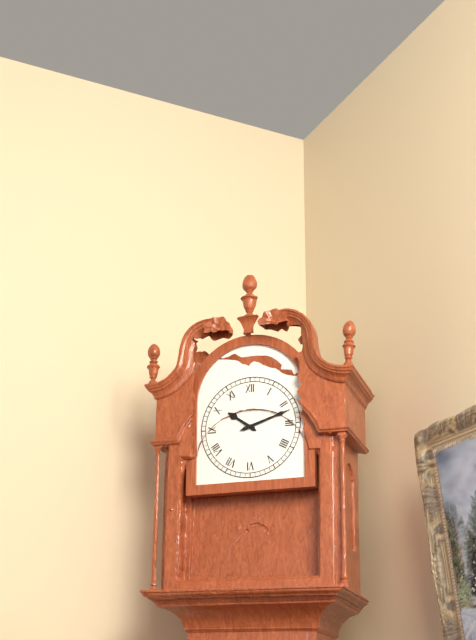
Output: {"hour": 10, "minute": 12}
